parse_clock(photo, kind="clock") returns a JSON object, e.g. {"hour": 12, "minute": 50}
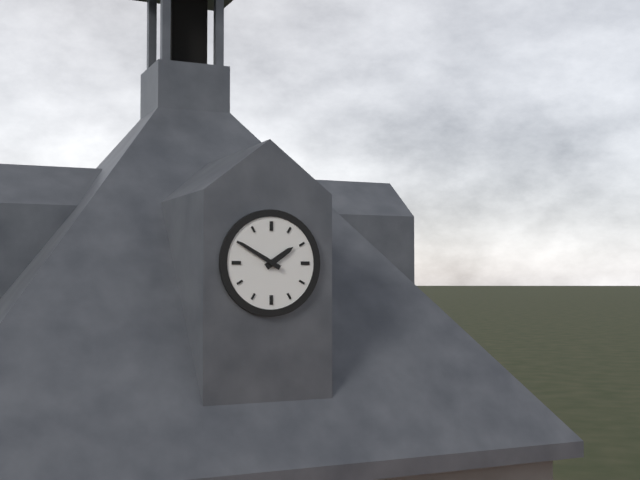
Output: {"hour": 1, "minute": 50}
